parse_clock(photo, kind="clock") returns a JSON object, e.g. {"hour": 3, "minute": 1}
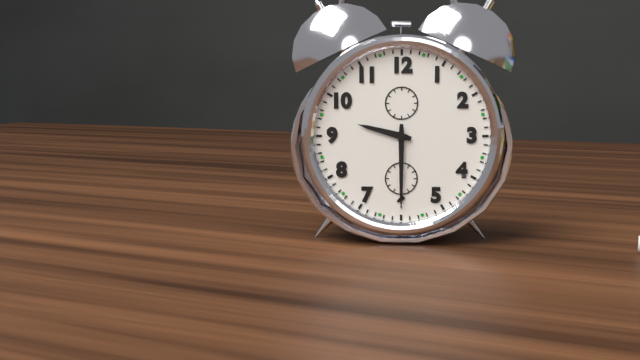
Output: {"hour": 9, "minute": 30}
